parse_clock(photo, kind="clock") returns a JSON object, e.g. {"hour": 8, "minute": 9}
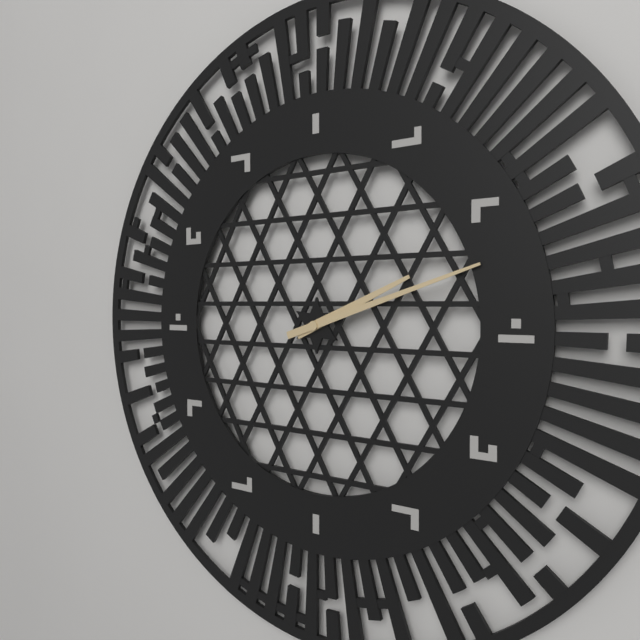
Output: {"hour": 2, "minute": 12}
